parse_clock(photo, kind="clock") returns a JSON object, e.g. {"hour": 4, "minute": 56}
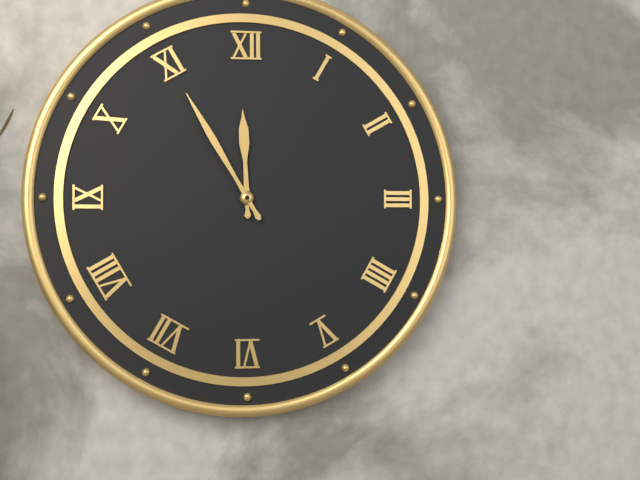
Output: {"hour": 11, "minute": 55}
